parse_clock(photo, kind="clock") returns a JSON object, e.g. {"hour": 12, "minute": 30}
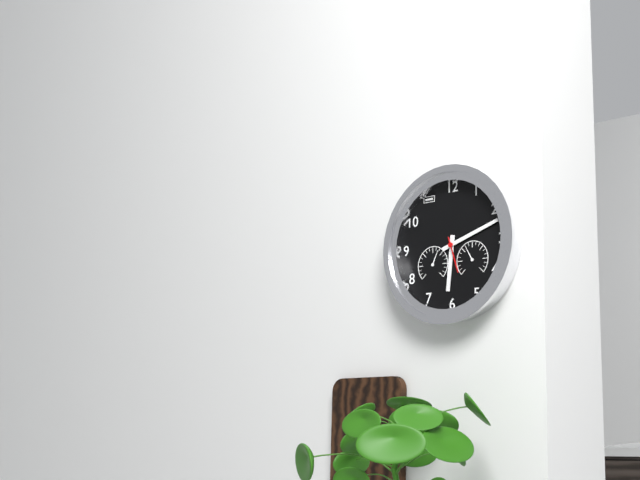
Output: {"hour": 6, "minute": 12}
